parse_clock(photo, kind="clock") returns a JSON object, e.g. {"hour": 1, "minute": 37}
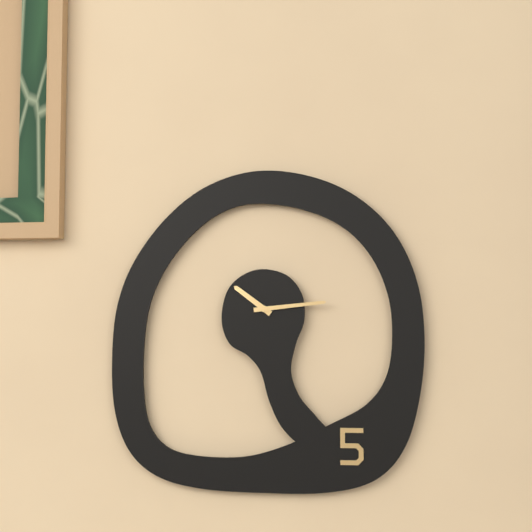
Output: {"hour": 10, "minute": 14}
